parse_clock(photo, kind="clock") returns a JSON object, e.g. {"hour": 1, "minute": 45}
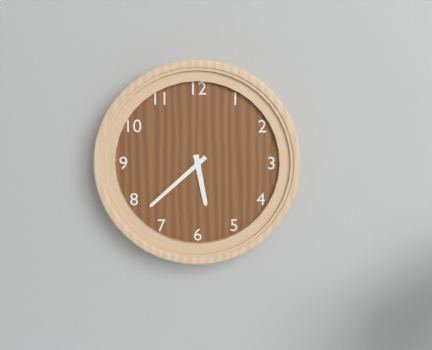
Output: {"hour": 5, "minute": 38}
